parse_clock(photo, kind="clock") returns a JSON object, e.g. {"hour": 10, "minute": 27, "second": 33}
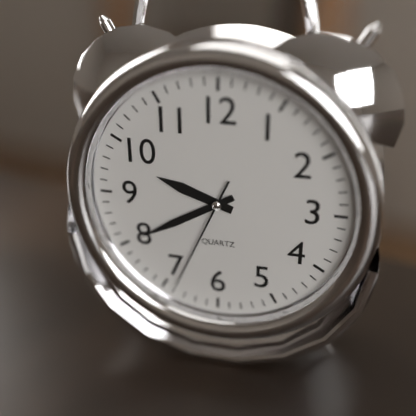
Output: {"hour": 9, "minute": 40, "second": 34}
